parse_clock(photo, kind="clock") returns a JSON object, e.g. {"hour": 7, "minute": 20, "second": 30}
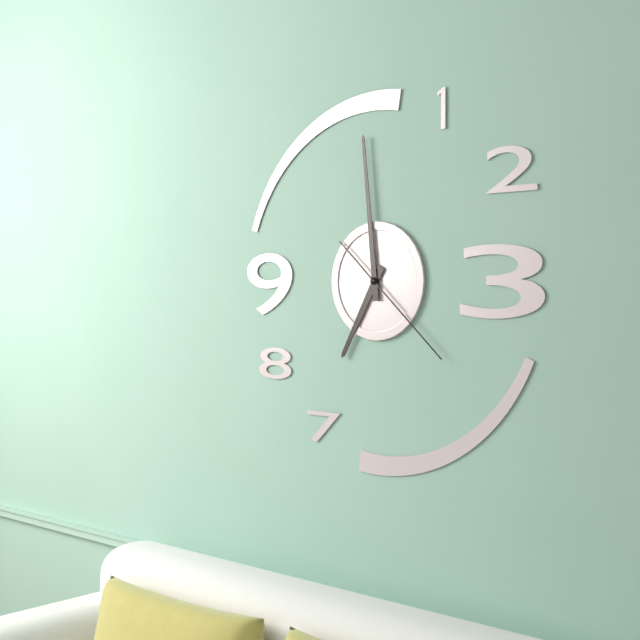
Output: {"hour": 6, "minute": 59, "second": 22}
